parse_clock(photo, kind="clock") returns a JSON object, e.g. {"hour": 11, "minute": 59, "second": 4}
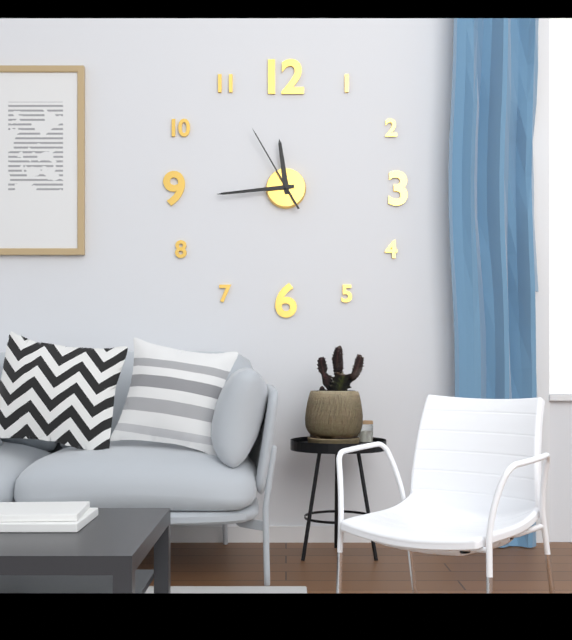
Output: {"hour": 11, "minute": 44, "second": 55}
